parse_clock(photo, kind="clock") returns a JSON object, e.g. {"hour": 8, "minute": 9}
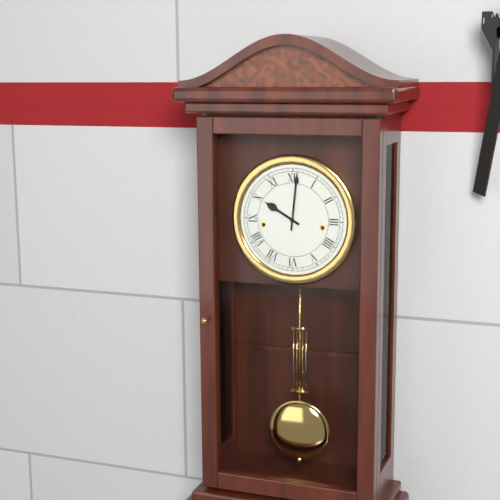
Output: {"hour": 10, "minute": 1}
